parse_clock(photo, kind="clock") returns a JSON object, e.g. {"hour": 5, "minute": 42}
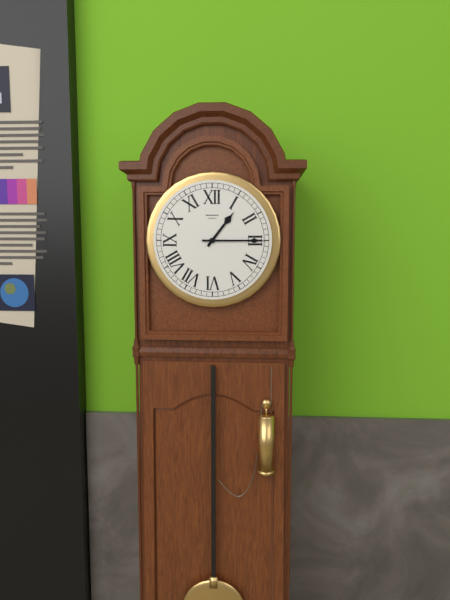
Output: {"hour": 1, "minute": 15}
